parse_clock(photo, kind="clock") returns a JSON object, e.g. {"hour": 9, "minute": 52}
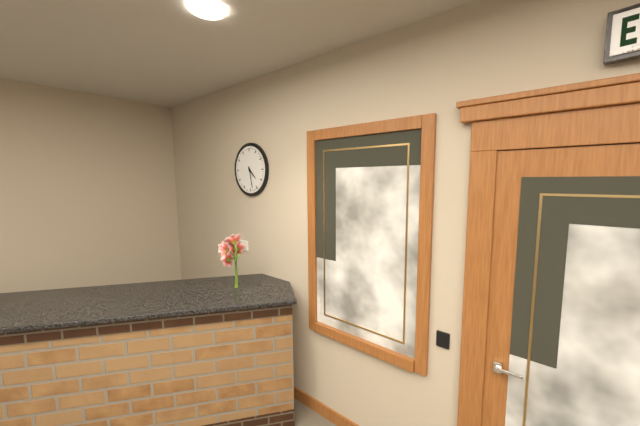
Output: {"hour": 4, "minute": 28}
